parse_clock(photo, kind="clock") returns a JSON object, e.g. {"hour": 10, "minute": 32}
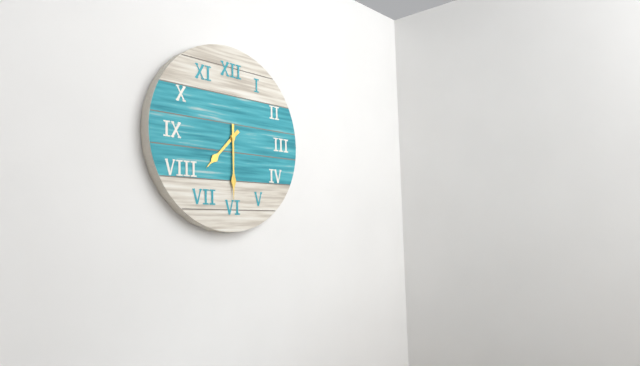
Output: {"hour": 7, "minute": 30}
